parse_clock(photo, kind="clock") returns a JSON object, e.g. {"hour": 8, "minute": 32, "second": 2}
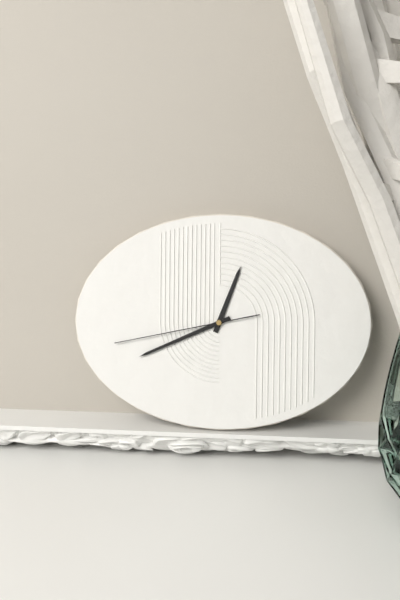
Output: {"hour": 12, "minute": 41, "second": 43}
